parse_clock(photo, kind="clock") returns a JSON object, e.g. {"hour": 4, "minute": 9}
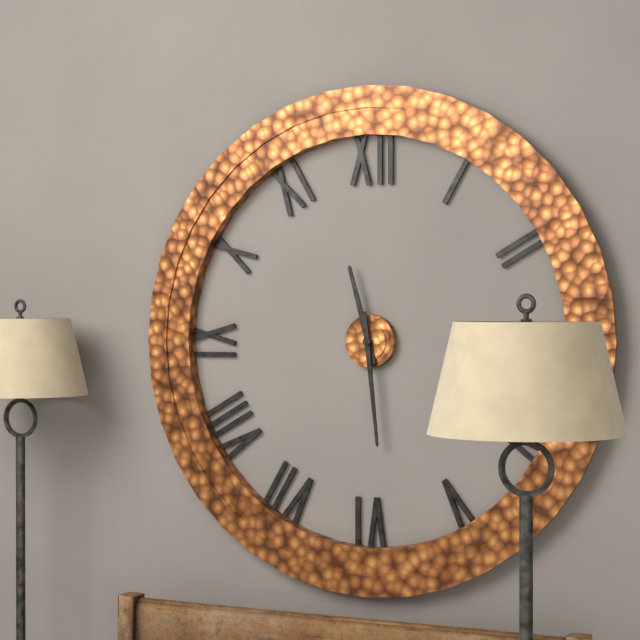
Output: {"hour": 11, "minute": 29}
